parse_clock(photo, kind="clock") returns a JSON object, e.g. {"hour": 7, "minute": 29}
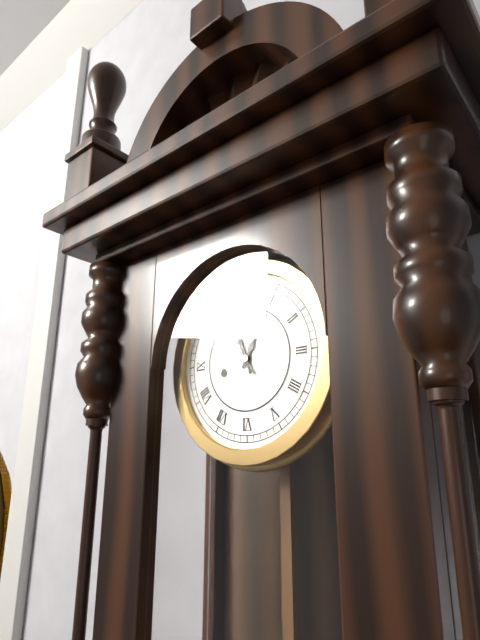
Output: {"hour": 12, "minute": 56}
